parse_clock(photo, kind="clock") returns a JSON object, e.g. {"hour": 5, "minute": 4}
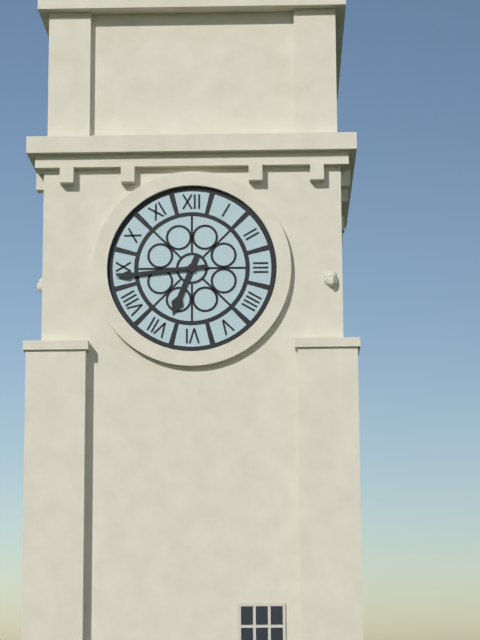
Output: {"hour": 6, "minute": 44}
